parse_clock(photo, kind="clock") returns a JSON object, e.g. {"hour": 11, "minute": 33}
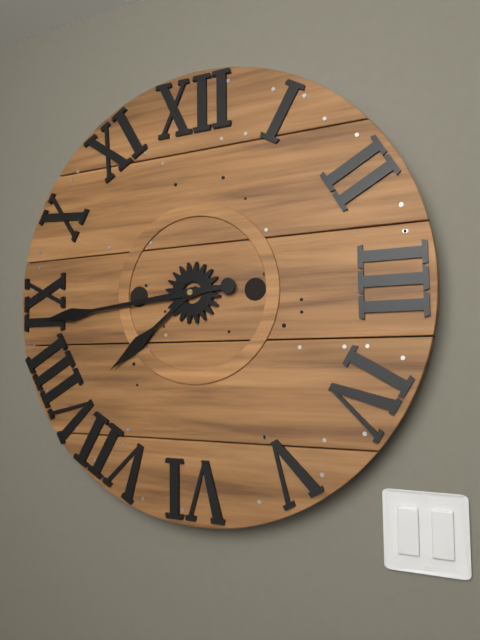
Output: {"hour": 7, "minute": 44}
